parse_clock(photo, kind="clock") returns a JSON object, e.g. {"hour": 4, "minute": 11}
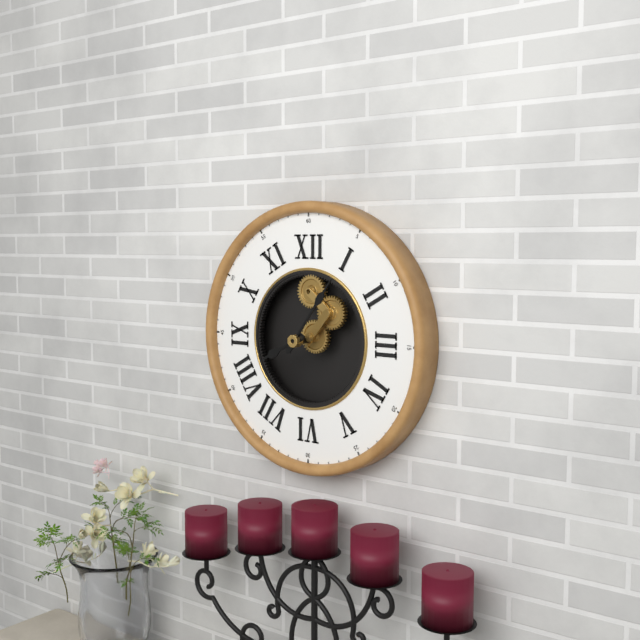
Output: {"hour": 8, "minute": 6}
